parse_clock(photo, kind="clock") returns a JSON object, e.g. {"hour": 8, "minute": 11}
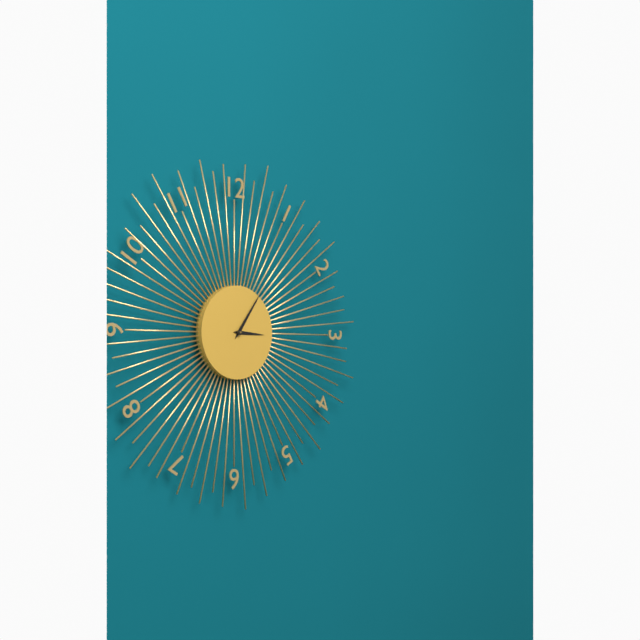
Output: {"hour": 3, "minute": 6}
